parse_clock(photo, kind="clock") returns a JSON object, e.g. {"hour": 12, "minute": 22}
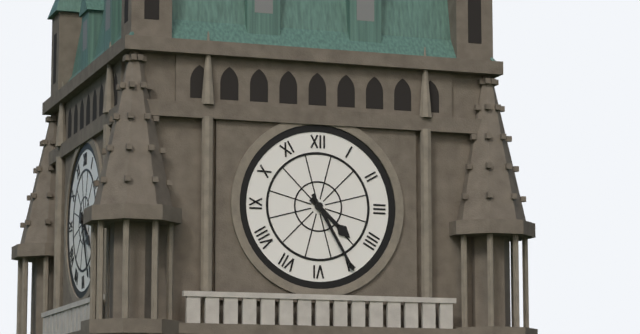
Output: {"hour": 4, "minute": 25}
